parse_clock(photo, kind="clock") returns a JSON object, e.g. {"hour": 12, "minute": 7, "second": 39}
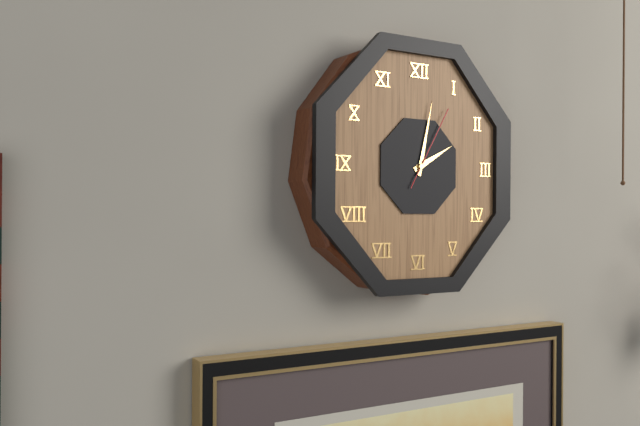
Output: {"hour": 2, "minute": 2, "second": 5}
